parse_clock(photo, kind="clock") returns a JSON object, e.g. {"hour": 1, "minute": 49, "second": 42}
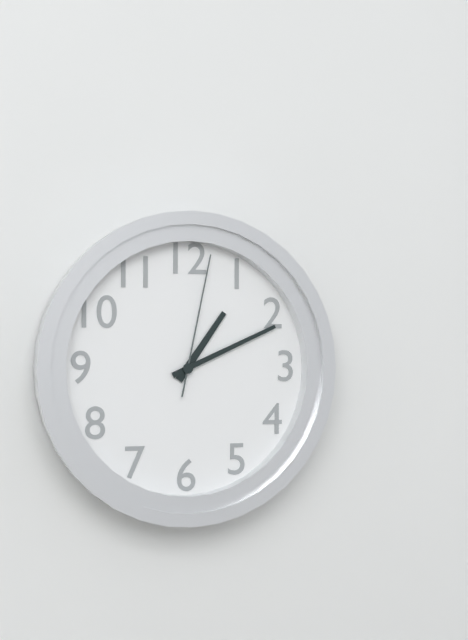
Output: {"hour": 1, "minute": 11, "second": 2}
